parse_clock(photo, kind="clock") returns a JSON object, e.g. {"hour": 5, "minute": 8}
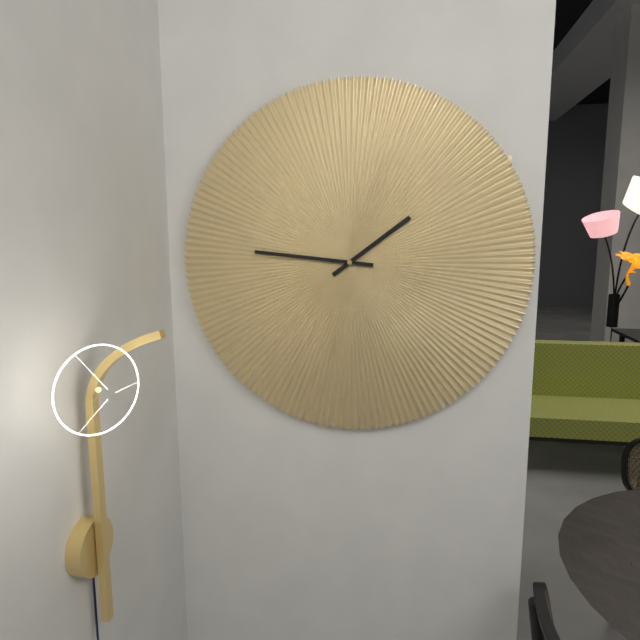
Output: {"hour": 1, "minute": 46}
